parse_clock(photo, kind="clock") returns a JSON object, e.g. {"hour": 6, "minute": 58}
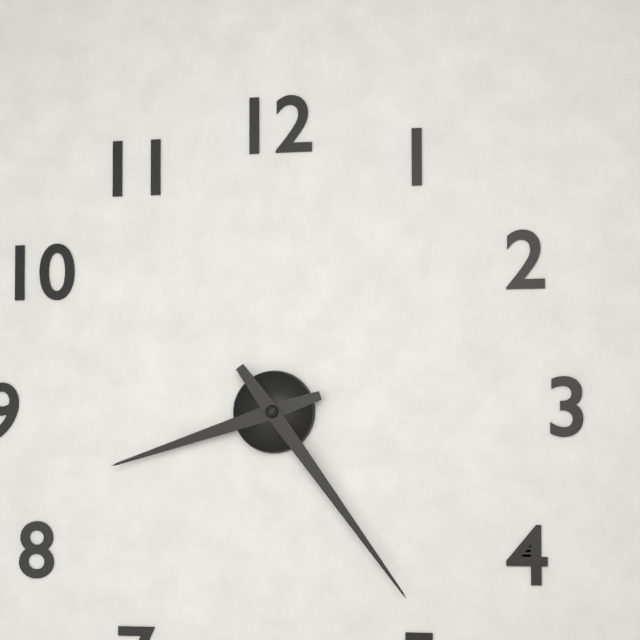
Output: {"hour": 8, "minute": 24}
